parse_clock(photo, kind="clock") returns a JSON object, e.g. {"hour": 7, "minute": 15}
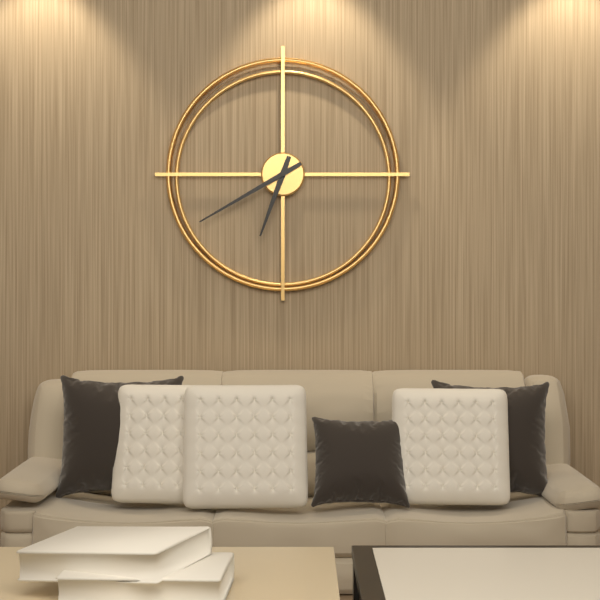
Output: {"hour": 6, "minute": 40}
